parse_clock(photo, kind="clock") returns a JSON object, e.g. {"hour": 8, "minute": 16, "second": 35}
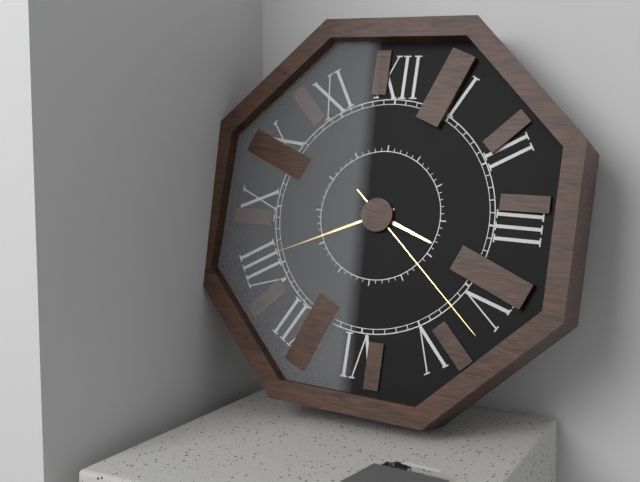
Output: {"hour": 3, "minute": 41, "second": 22}
